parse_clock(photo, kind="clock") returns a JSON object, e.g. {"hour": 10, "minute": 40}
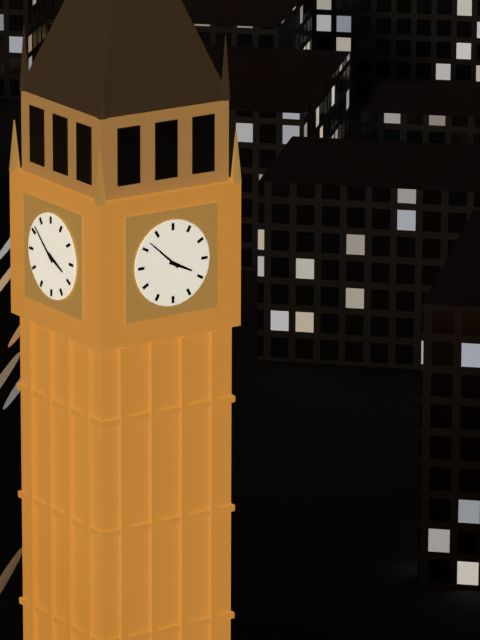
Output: {"hour": 3, "minute": 52}
